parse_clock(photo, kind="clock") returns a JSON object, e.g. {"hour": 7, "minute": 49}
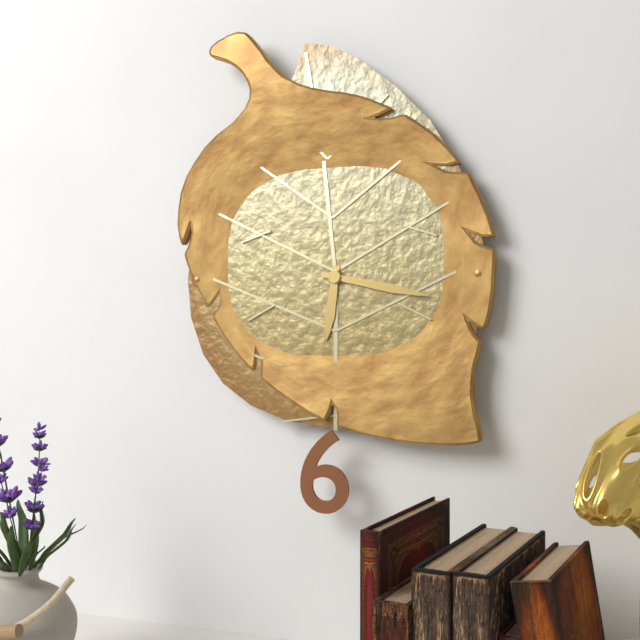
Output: {"hour": 6, "minute": 17}
